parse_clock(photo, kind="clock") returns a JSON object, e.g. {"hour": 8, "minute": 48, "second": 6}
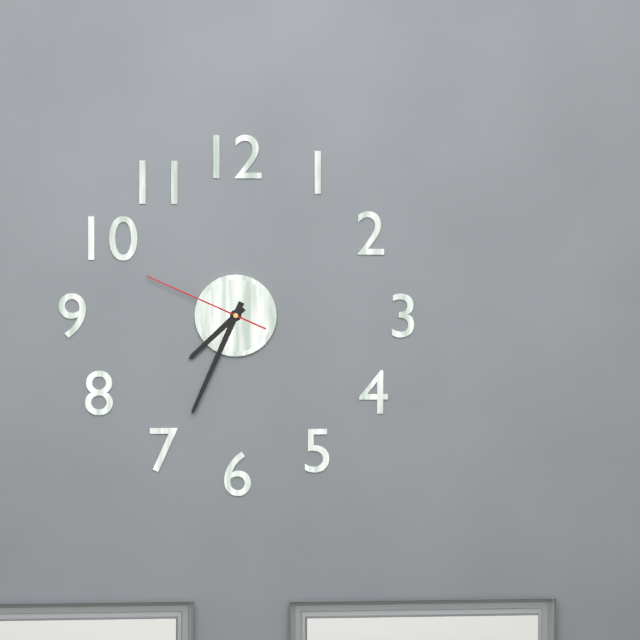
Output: {"hour": 7, "minute": 34, "second": 49}
